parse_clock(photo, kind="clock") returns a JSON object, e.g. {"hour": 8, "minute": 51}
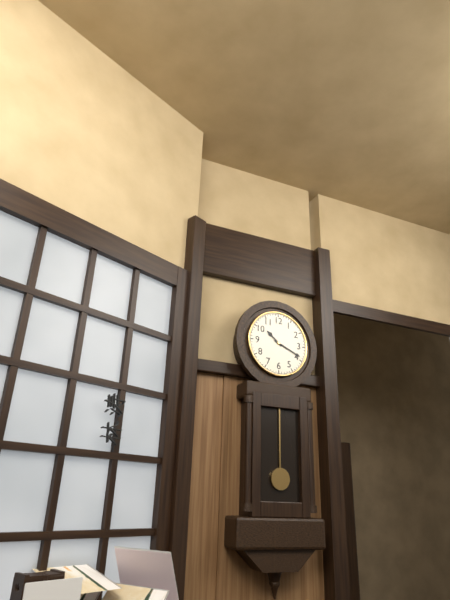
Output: {"hour": 10, "minute": 19}
